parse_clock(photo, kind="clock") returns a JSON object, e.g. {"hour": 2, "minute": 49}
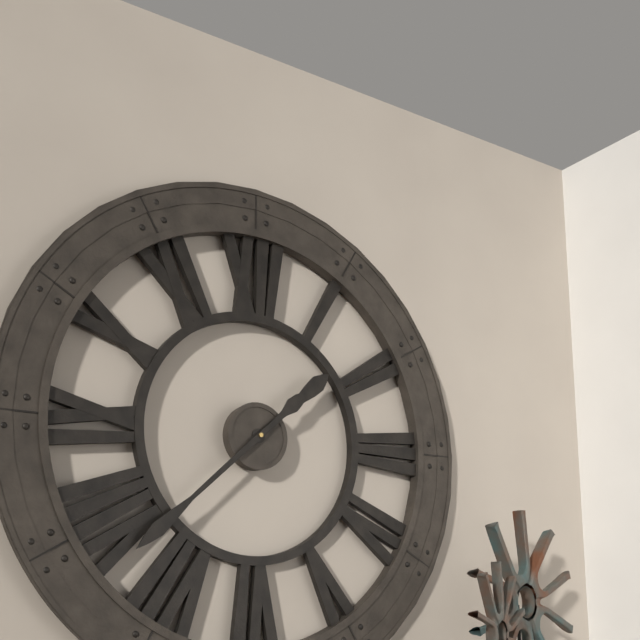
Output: {"hour": 1, "minute": 38}
